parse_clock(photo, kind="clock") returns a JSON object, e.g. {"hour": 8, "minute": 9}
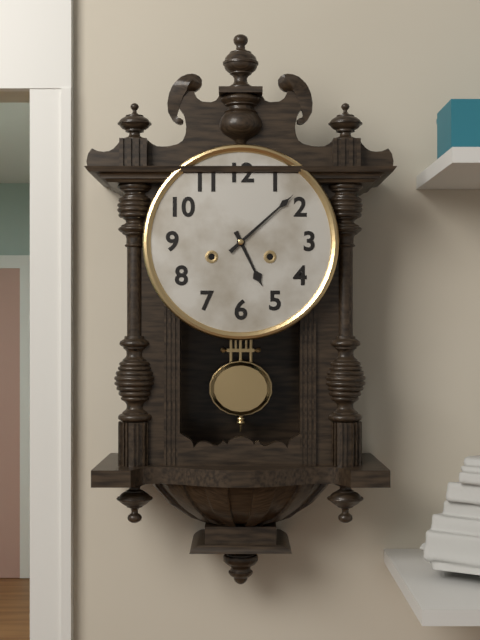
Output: {"hour": 5, "minute": 8}
